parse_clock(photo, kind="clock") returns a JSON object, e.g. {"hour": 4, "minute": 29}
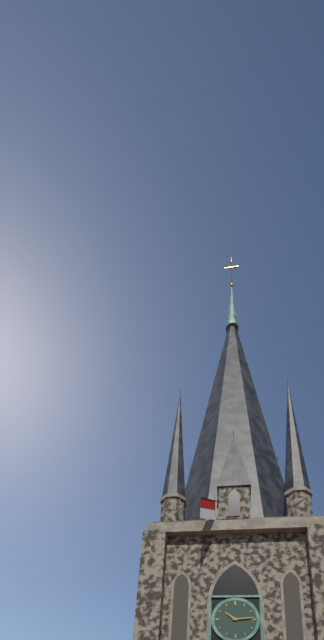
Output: {"hour": 10, "minute": 14}
